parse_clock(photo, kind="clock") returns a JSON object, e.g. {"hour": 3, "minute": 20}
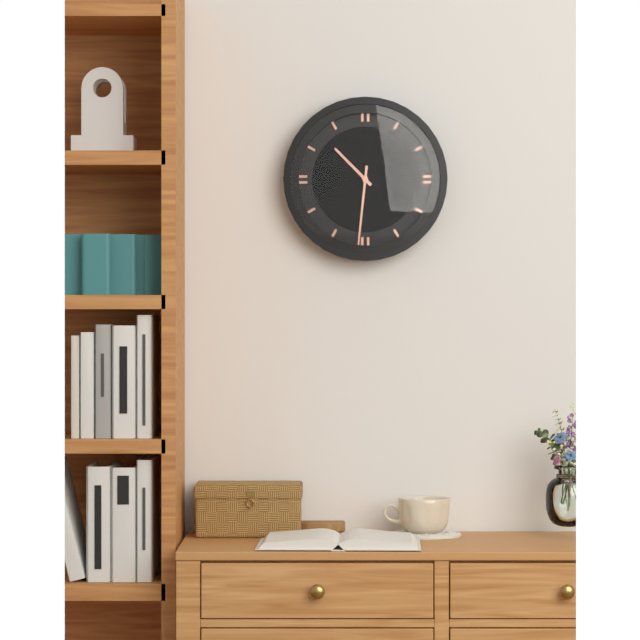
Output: {"hour": 10, "minute": 31}
